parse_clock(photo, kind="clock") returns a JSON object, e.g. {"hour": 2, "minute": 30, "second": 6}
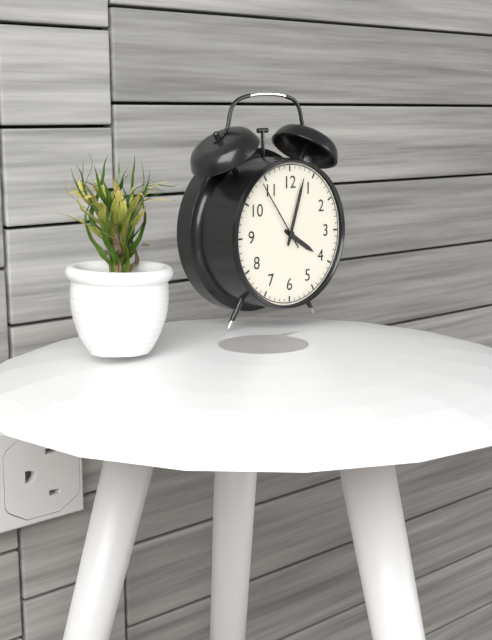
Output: {"hour": 4, "minute": 3, "second": 54}
